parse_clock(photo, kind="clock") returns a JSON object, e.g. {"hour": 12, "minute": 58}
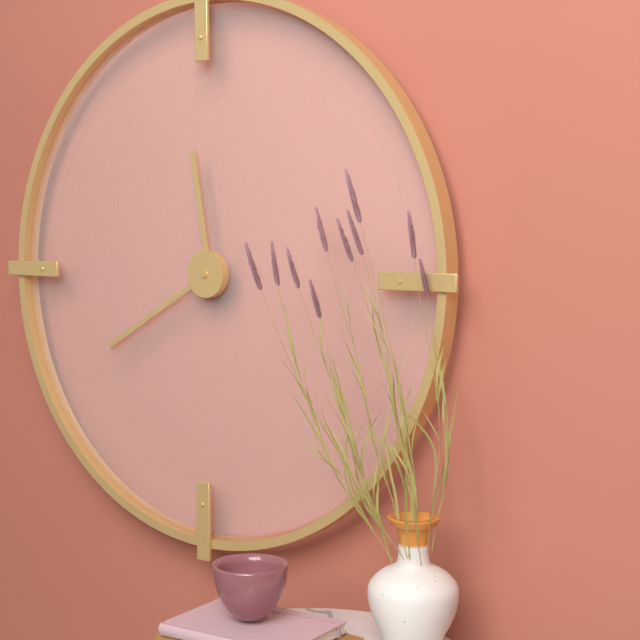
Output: {"hour": 11, "minute": 40}
